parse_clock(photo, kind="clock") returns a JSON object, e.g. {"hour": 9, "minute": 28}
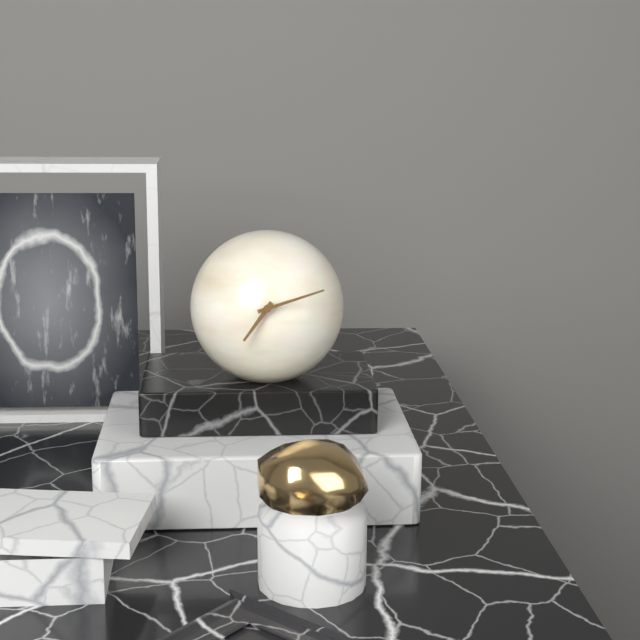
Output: {"hour": 7, "minute": 12}
